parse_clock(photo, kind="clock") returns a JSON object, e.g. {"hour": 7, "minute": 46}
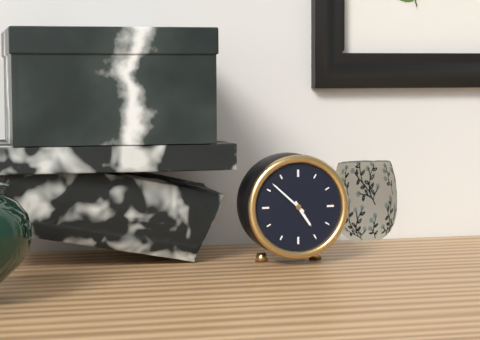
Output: {"hour": 4, "minute": 52}
